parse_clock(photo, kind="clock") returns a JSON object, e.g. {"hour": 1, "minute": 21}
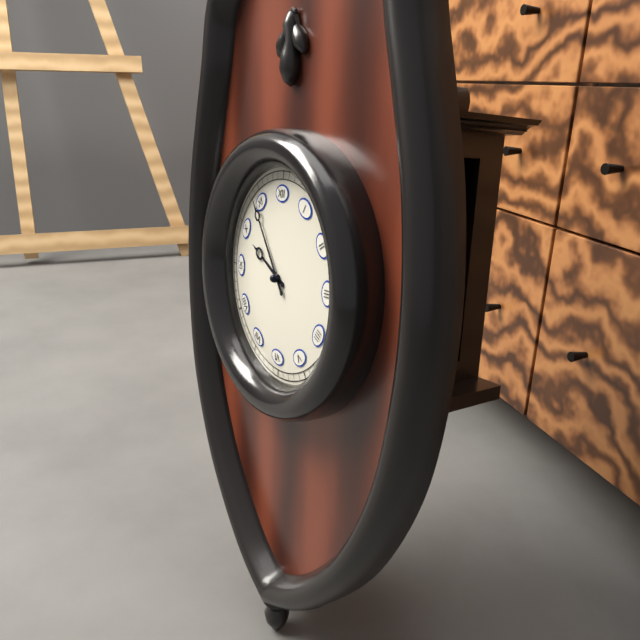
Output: {"hour": 9, "minute": 54}
